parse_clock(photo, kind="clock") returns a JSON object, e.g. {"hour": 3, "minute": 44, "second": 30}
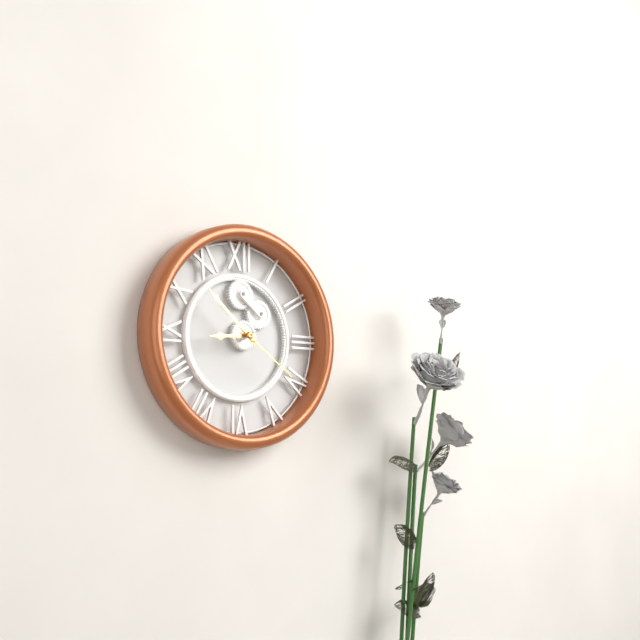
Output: {"hour": 8, "minute": 52, "second": 21}
